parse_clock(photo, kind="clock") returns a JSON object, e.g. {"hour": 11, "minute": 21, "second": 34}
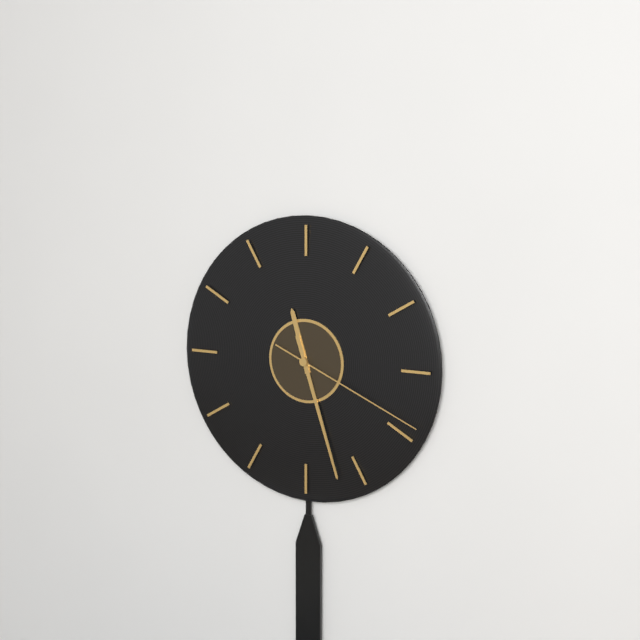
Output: {"hour": 11, "minute": 27, "second": 19}
